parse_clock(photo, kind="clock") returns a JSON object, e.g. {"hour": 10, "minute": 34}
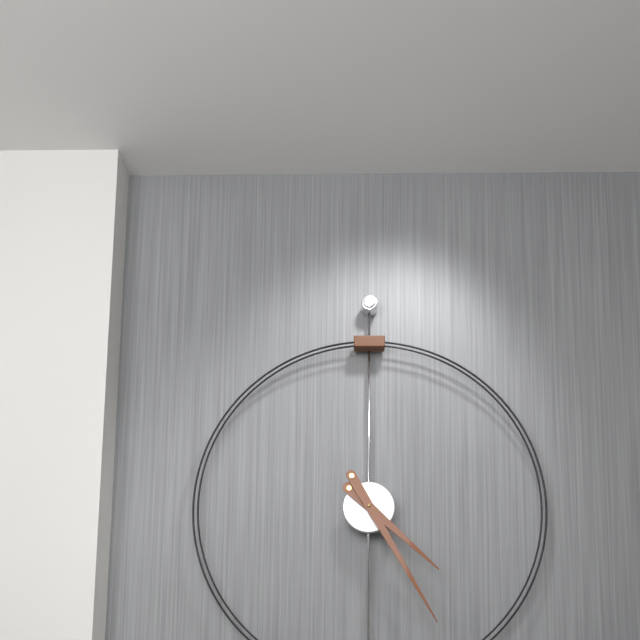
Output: {"hour": 4, "minute": 25}
